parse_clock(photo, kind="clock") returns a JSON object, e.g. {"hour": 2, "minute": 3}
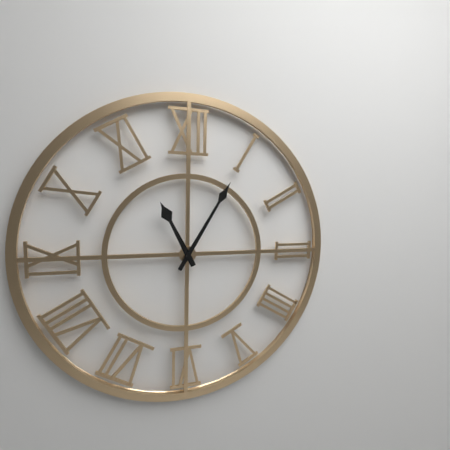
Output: {"hour": 11, "minute": 5}
